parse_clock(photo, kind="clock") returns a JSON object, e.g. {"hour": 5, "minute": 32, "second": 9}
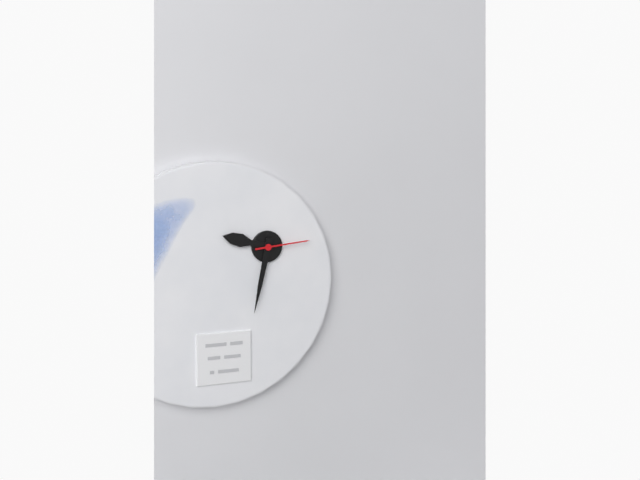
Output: {"hour": 9, "minute": 32, "second": 14}
